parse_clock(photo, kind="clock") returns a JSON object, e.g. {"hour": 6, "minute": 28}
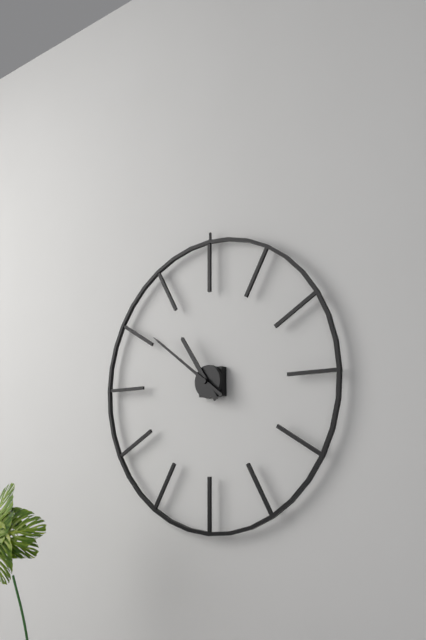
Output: {"hour": 10, "minute": 51}
